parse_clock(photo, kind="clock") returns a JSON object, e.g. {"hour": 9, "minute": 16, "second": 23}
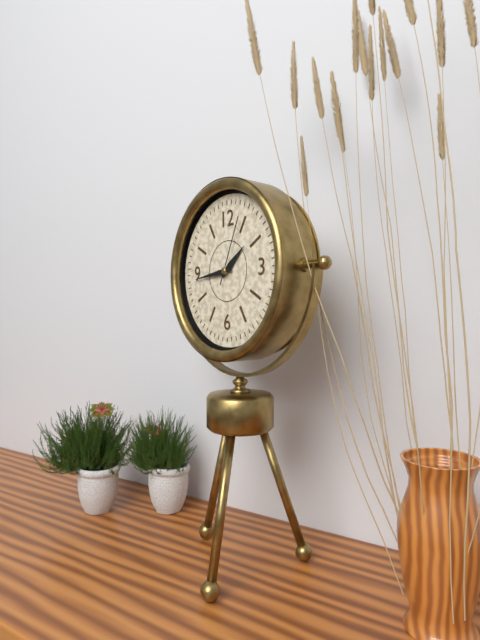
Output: {"hour": 1, "minute": 44, "second": 4}
